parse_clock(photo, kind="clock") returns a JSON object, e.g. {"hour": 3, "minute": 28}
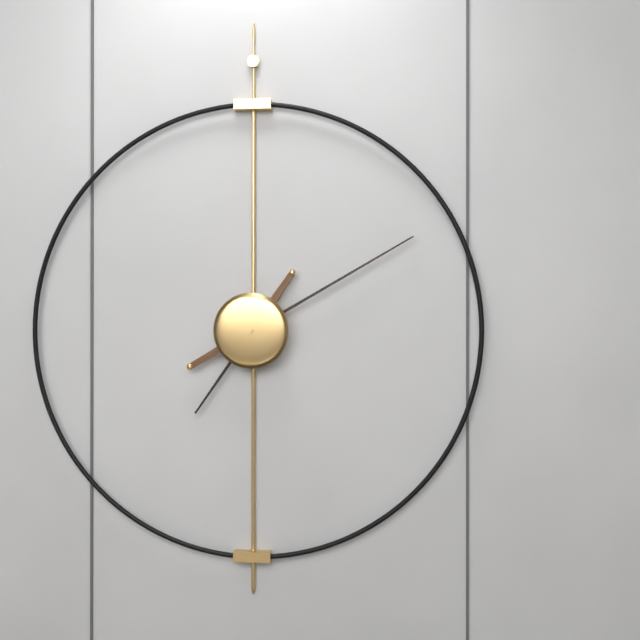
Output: {"hour": 7, "minute": 10}
